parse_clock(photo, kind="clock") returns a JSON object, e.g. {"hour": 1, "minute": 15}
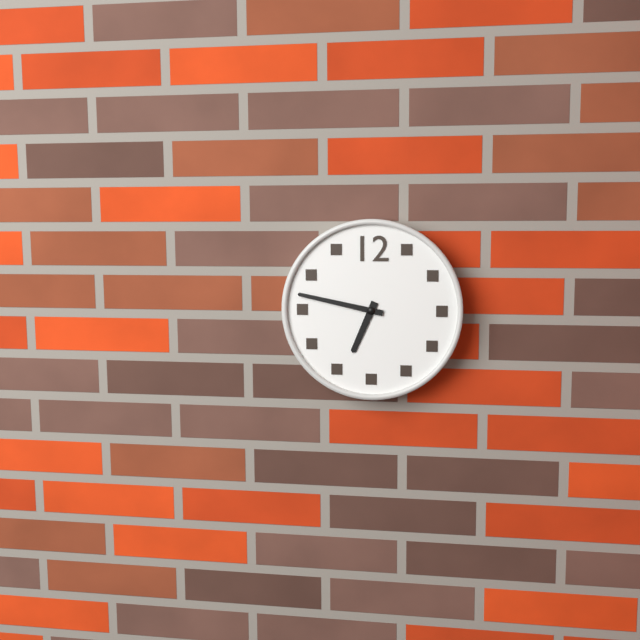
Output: {"hour": 6, "minute": 47}
